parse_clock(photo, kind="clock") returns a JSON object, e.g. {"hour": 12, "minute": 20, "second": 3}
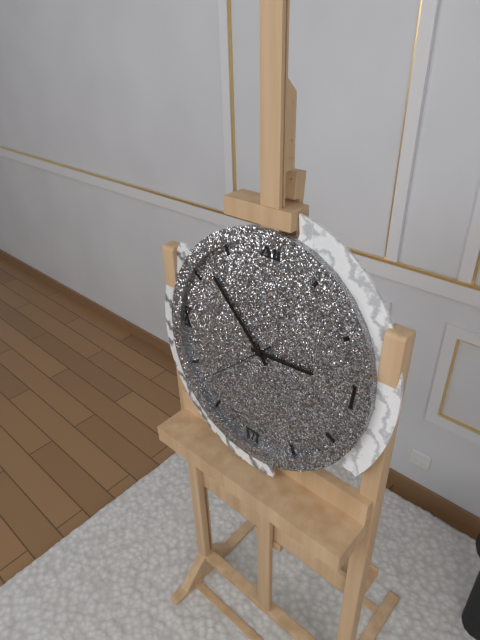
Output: {"hour": 2, "minute": 52, "second": 38}
